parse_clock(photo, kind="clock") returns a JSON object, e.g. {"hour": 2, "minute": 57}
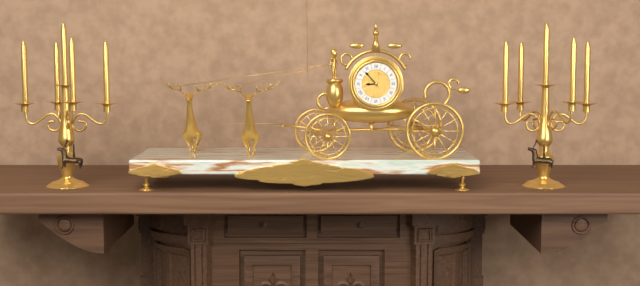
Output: {"hour": 8, "minute": 53}
